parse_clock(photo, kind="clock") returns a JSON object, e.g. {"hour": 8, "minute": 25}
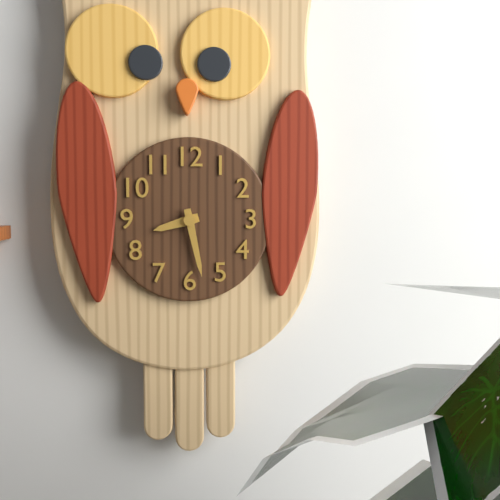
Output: {"hour": 8, "minute": 28}
